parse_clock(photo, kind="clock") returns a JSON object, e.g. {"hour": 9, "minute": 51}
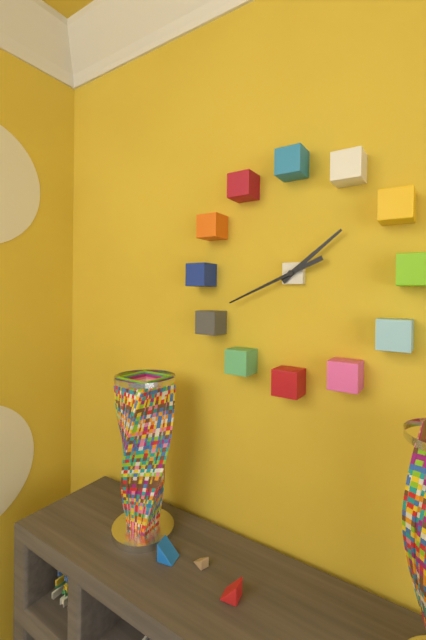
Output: {"hour": 1, "minute": 41}
